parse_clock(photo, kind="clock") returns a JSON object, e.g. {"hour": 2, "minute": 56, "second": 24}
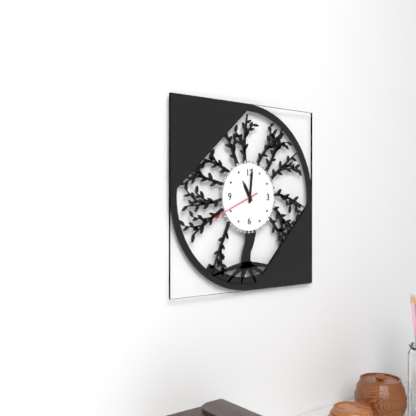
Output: {"hour": 11, "minute": 1, "second": 41}
